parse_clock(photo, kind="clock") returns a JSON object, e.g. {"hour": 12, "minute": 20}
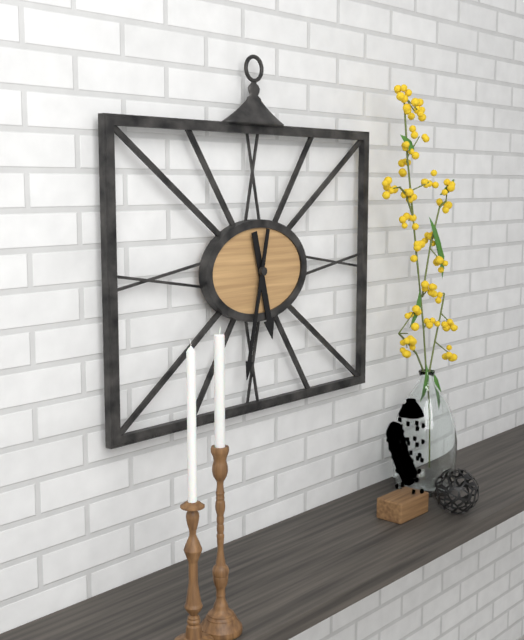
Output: {"hour": 5, "minute": 32}
